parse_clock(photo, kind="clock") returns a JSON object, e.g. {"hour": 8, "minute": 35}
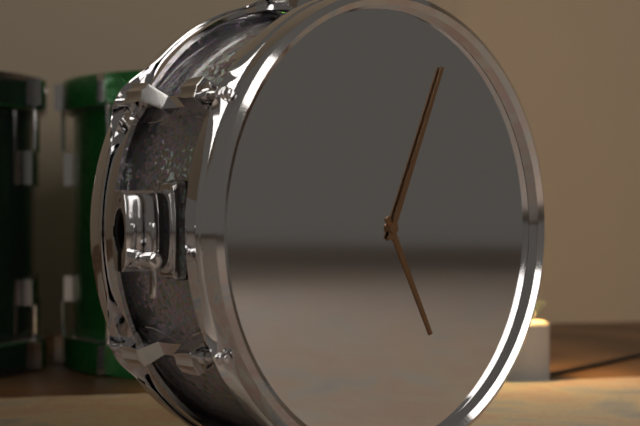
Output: {"hour": 5, "minute": 4}
